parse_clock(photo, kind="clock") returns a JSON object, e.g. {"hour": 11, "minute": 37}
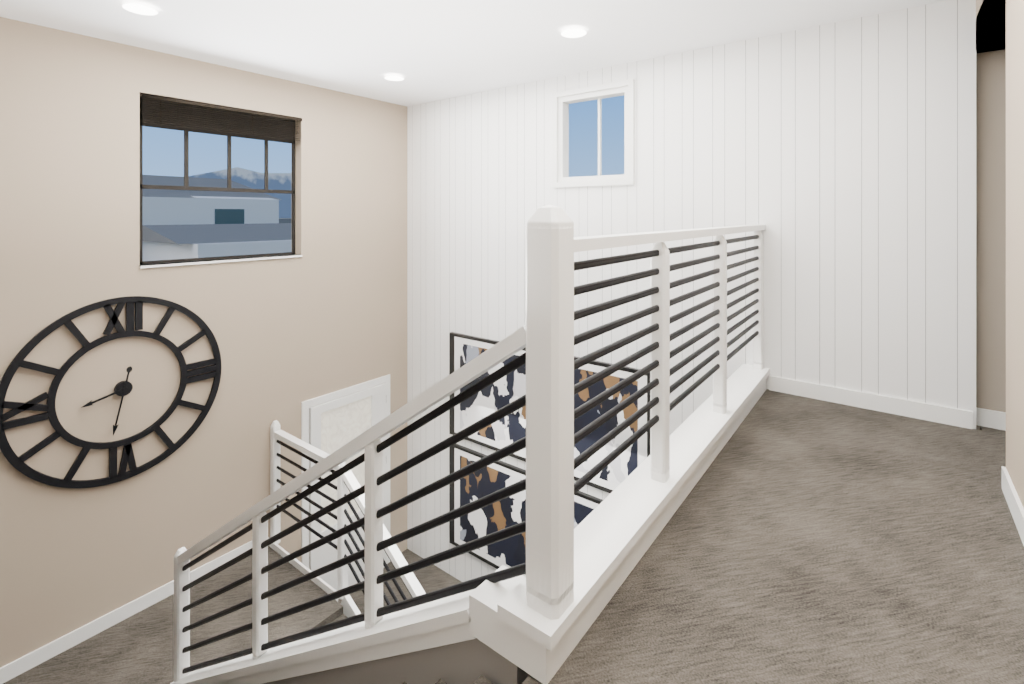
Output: {"hour": 8, "minute": 32}
